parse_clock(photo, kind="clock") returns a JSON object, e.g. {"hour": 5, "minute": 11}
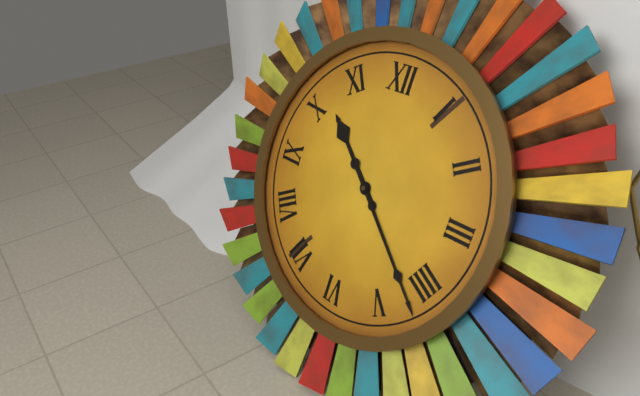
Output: {"hour": 10, "minute": 22}
